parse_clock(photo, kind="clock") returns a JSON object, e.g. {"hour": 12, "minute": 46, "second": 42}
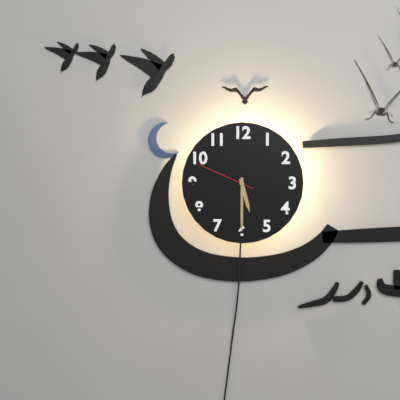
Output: {"hour": 5, "minute": 30, "second": 49}
